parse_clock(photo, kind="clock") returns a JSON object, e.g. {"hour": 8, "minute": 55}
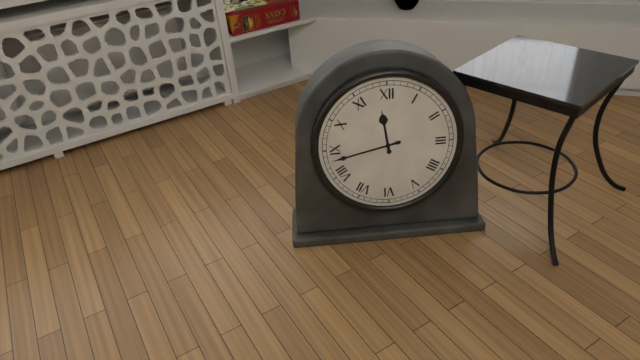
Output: {"hour": 11, "minute": 43}
